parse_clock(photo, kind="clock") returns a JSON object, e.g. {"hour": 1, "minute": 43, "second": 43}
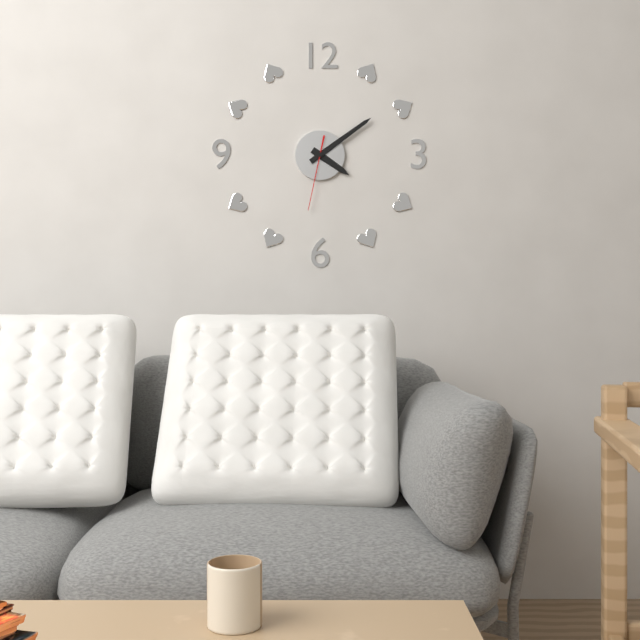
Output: {"hour": 4, "minute": 9, "second": 32}
